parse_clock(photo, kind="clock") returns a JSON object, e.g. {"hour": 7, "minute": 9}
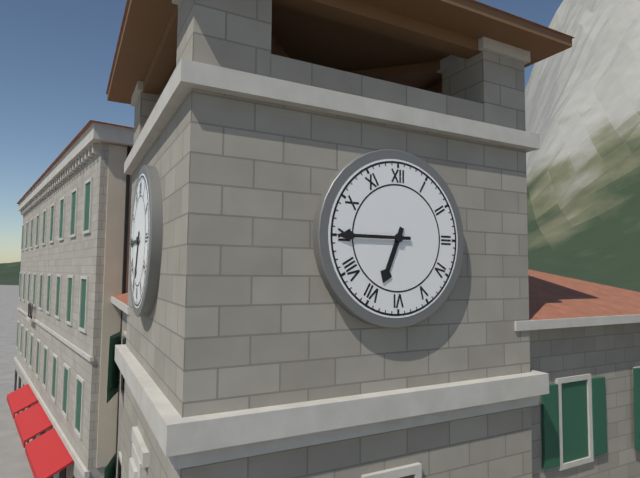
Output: {"hour": 6, "minute": 45}
